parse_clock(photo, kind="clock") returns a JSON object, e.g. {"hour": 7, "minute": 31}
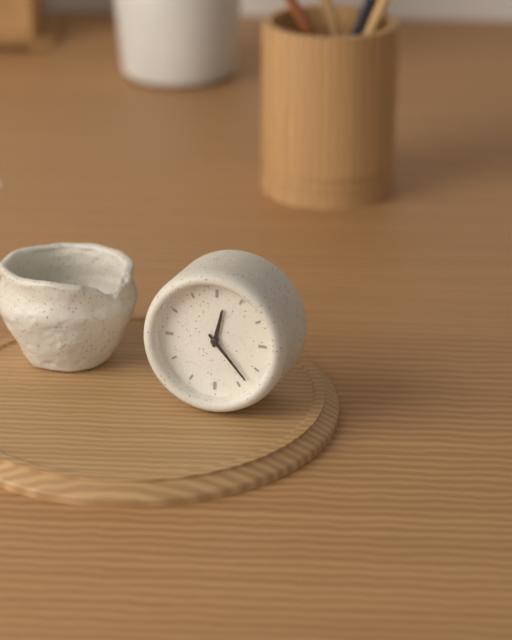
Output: {"hour": 12, "minute": 23}
